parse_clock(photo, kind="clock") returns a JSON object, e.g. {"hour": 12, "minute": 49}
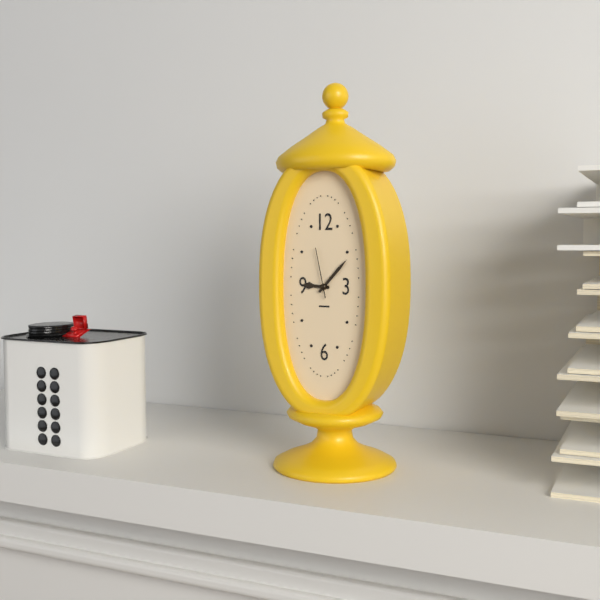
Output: {"hour": 9, "minute": 7}
